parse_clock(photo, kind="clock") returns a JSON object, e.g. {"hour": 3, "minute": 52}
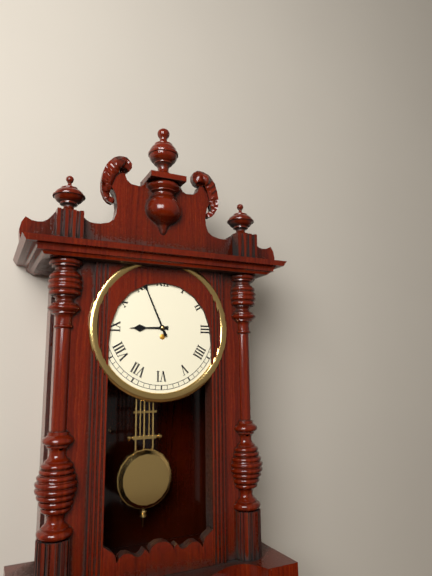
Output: {"hour": 8, "minute": 56}
